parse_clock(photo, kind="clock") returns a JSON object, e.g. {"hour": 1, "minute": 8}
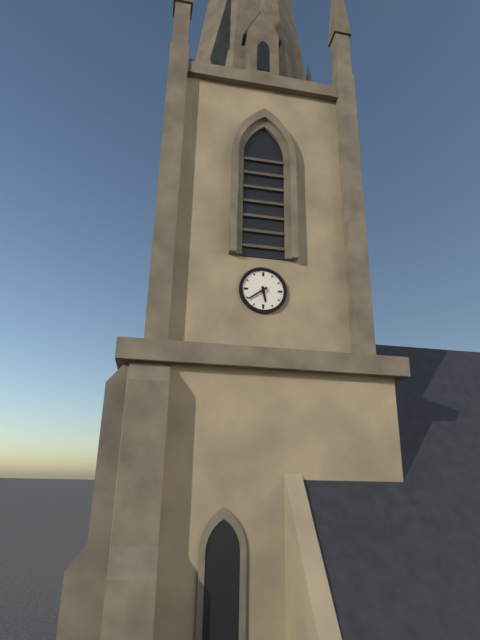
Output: {"hour": 5, "minute": 39}
